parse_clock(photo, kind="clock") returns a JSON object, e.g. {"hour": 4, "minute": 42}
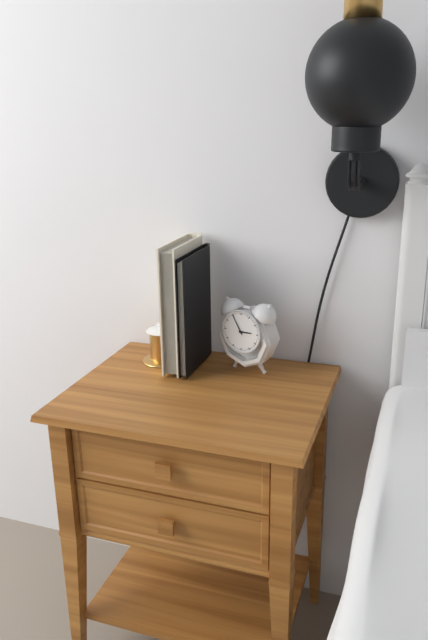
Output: {"hour": 2, "minute": 55}
